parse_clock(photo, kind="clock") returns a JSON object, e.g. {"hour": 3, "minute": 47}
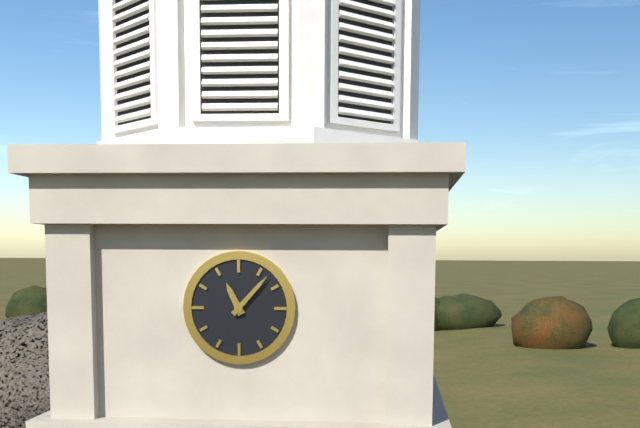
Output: {"hour": 11, "minute": 7}
